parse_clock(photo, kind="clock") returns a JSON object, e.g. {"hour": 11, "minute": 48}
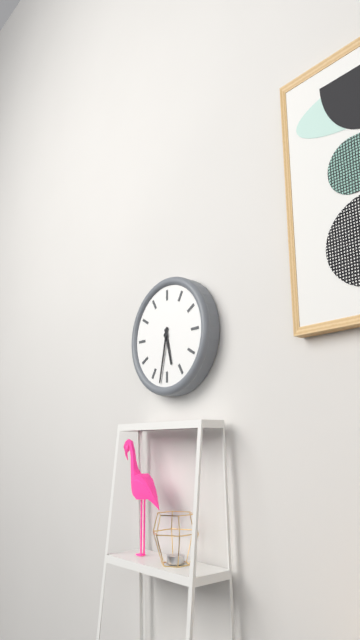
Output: {"hour": 5, "minute": 32}
